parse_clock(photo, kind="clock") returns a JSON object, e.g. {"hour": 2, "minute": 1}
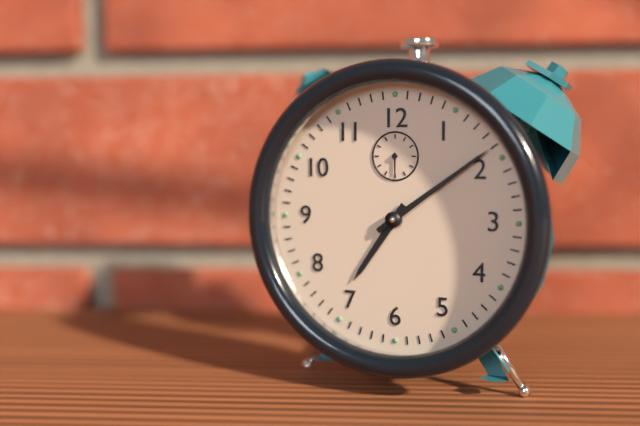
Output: {"hour": 7, "minute": 9}
